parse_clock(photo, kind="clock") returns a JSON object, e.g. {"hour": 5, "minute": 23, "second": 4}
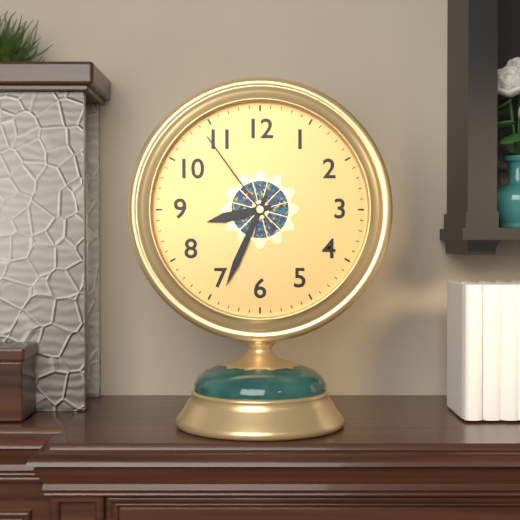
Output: {"hour": 8, "minute": 34, "second": 54}
